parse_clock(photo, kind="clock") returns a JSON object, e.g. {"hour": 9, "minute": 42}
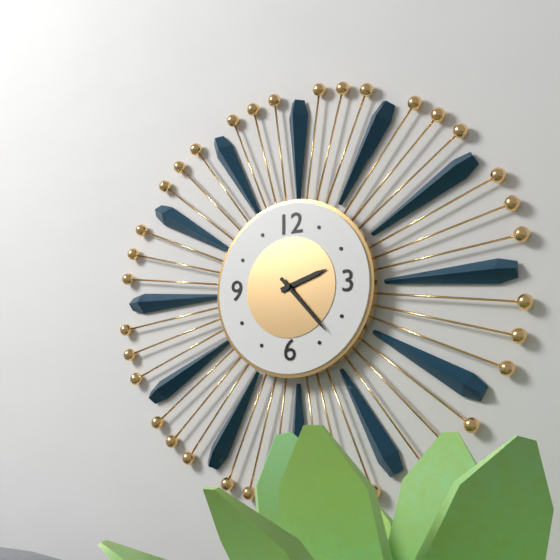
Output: {"hour": 2, "minute": 23}
